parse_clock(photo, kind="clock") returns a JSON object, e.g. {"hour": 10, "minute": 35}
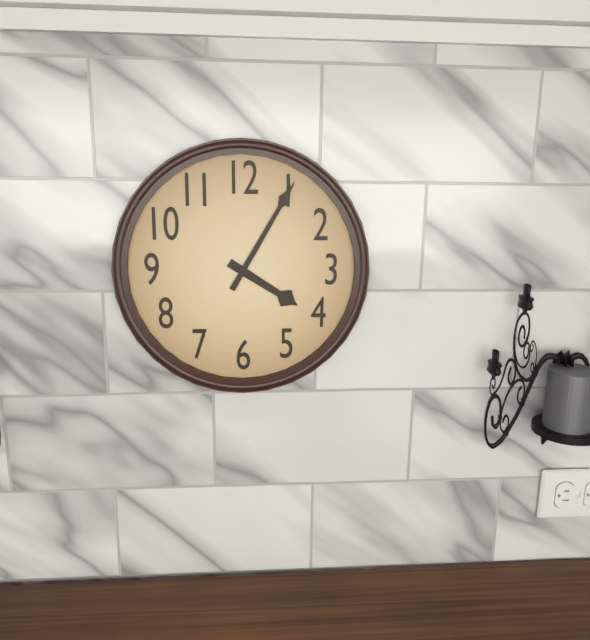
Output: {"hour": 4, "minute": 5}
